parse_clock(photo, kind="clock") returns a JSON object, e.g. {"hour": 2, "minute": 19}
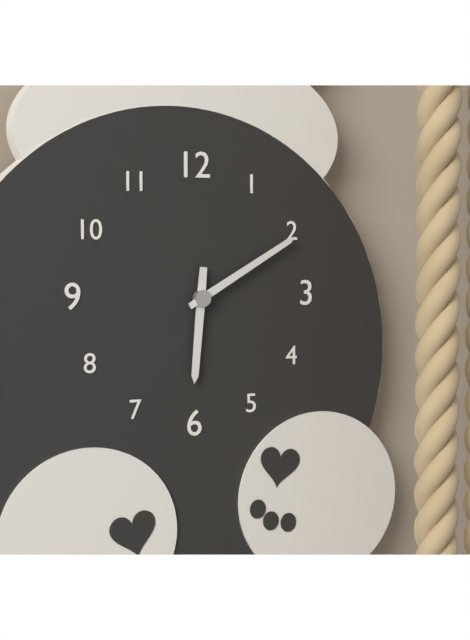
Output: {"hour": 6, "minute": 10}
